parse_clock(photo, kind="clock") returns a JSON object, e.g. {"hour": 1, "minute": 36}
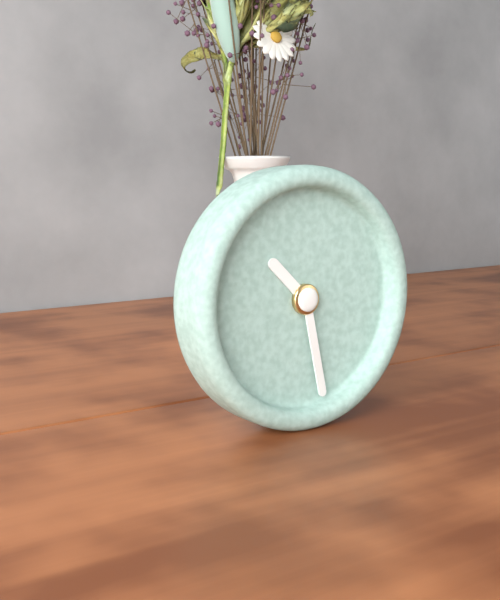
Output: {"hour": 10, "minute": 28}
